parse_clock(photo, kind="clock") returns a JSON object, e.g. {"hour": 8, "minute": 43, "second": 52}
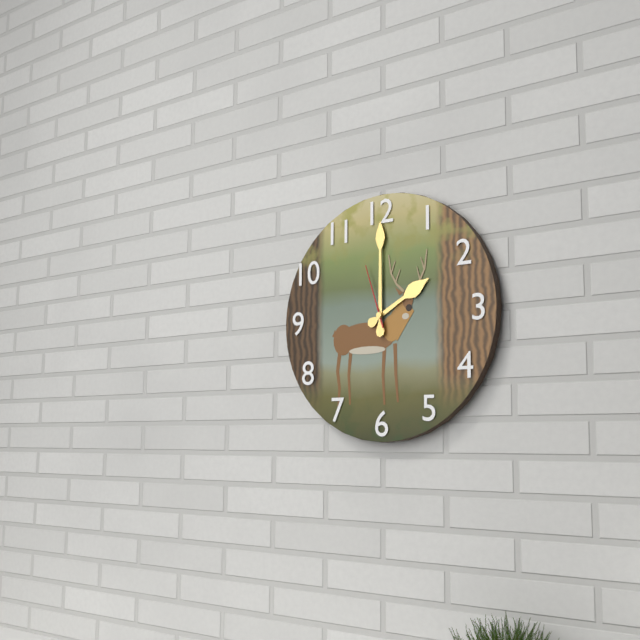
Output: {"hour": 2, "minute": 0, "second": 57}
